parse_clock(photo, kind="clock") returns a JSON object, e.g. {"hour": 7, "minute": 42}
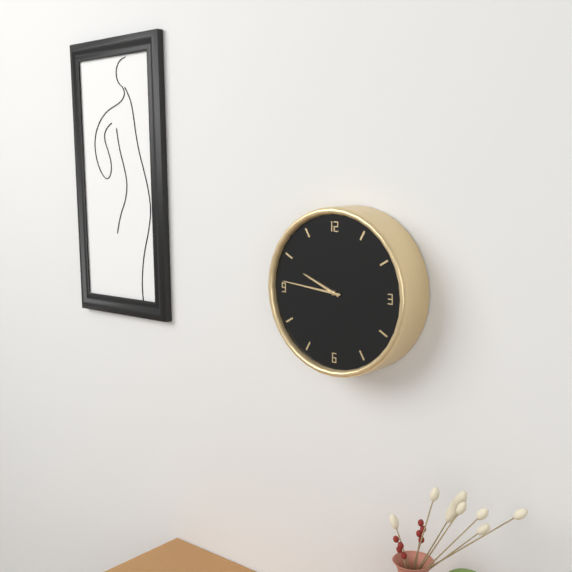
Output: {"hour": 9, "minute": 46}
